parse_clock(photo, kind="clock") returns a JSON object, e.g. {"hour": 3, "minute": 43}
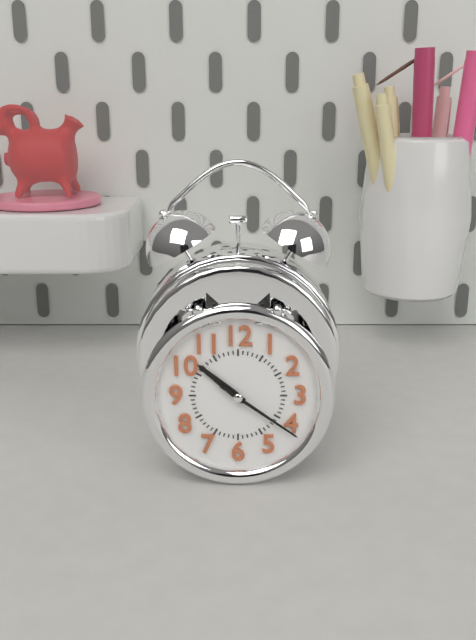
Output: {"hour": 10, "minute": 21}
